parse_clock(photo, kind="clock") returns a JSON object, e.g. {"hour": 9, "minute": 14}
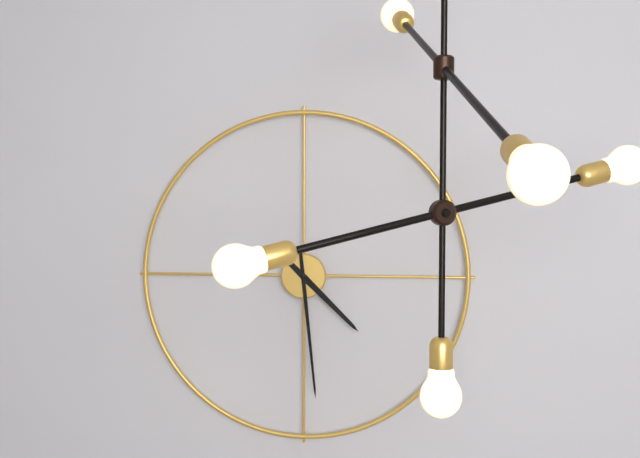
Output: {"hour": 4, "minute": 29}
